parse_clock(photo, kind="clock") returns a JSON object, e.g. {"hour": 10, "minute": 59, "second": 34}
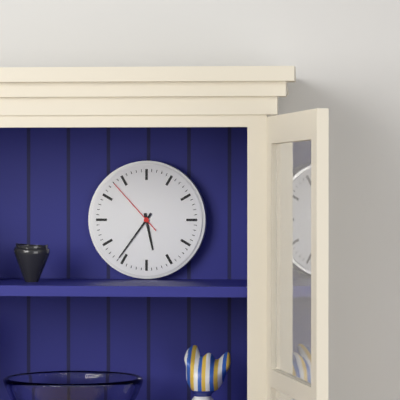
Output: {"hour": 5, "minute": 36, "second": 53}
